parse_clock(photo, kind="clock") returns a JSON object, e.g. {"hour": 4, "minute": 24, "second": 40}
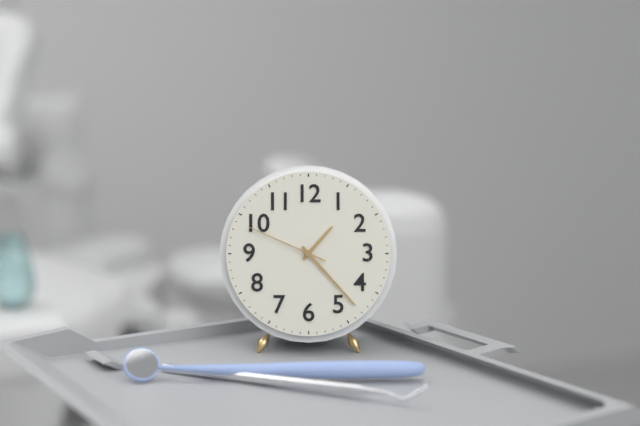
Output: {"hour": 1, "minute": 23, "second": 49}
